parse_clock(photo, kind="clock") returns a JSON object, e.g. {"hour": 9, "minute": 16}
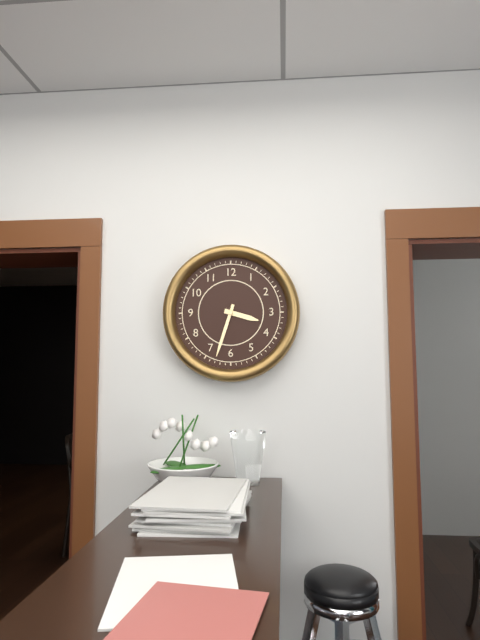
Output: {"hour": 3, "minute": 33}
